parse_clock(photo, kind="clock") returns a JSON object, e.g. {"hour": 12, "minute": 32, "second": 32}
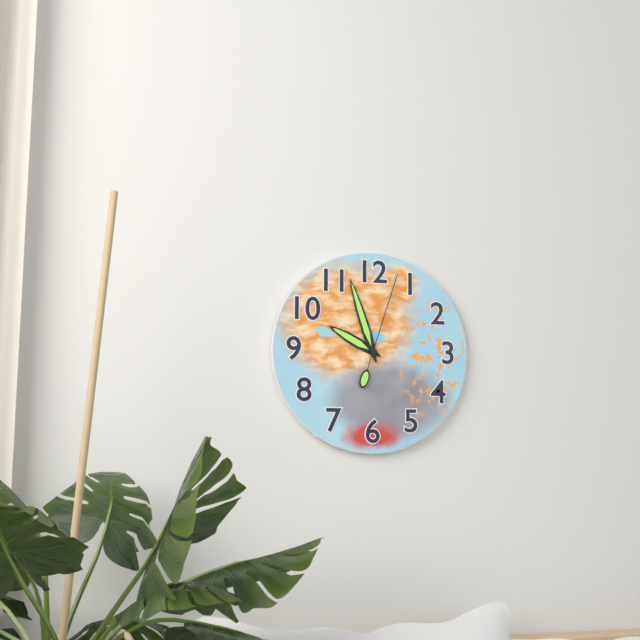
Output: {"hour": 9, "minute": 57, "second": 3}
